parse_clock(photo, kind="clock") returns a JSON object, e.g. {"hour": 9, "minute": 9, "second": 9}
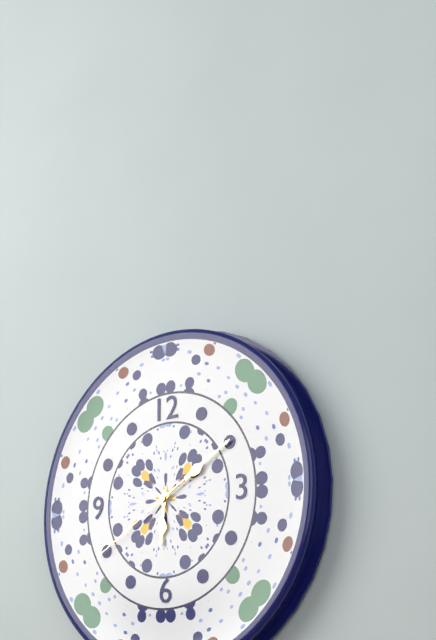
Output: {"hour": 6, "minute": 10, "second": 40}
